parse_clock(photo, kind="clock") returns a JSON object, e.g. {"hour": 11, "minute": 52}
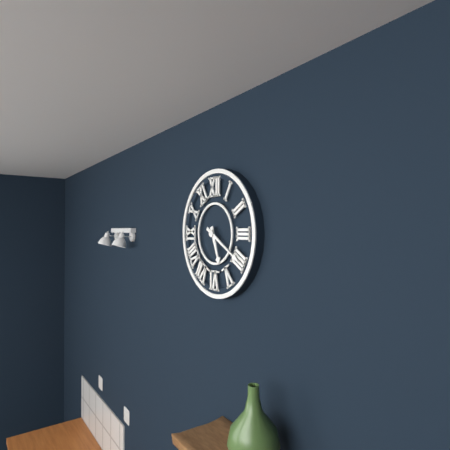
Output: {"hour": 5, "minute": 20}
